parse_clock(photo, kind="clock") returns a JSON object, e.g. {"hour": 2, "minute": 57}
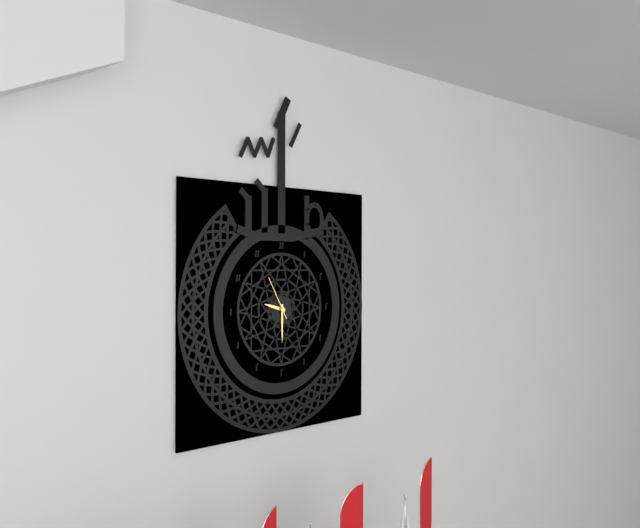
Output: {"hour": 9, "minute": 30}
